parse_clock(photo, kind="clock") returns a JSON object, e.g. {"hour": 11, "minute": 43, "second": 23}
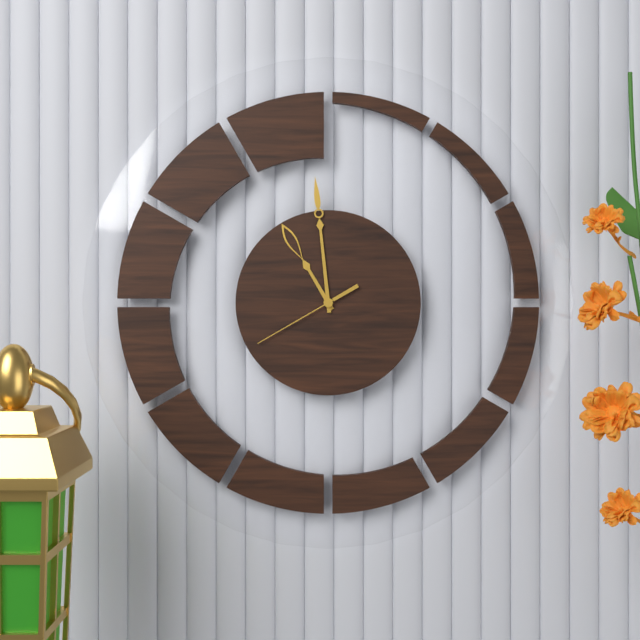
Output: {"hour": 10, "minute": 59, "second": 40}
